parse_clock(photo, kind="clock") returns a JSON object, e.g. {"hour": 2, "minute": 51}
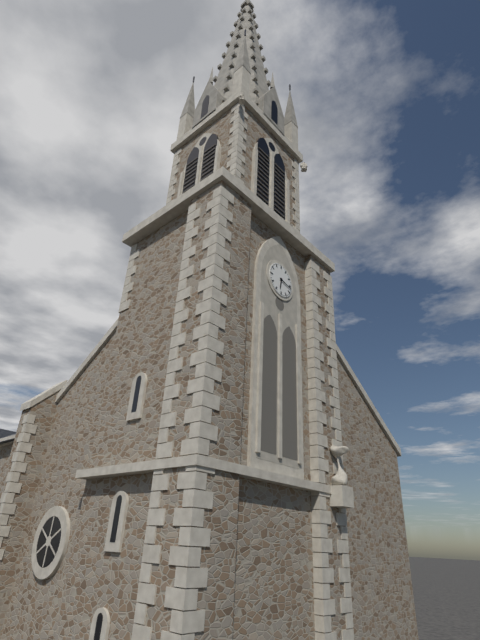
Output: {"hour": 6, "minute": 17}
